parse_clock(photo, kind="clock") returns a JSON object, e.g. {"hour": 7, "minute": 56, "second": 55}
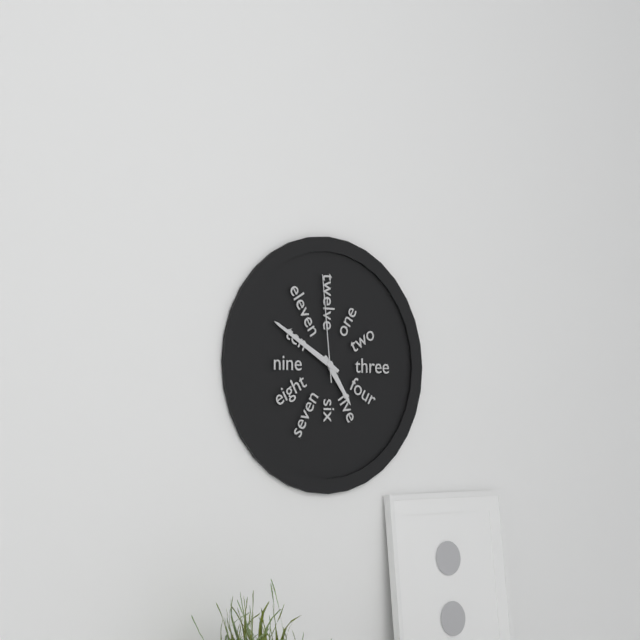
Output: {"hour": 4, "minute": 50, "second": 59}
